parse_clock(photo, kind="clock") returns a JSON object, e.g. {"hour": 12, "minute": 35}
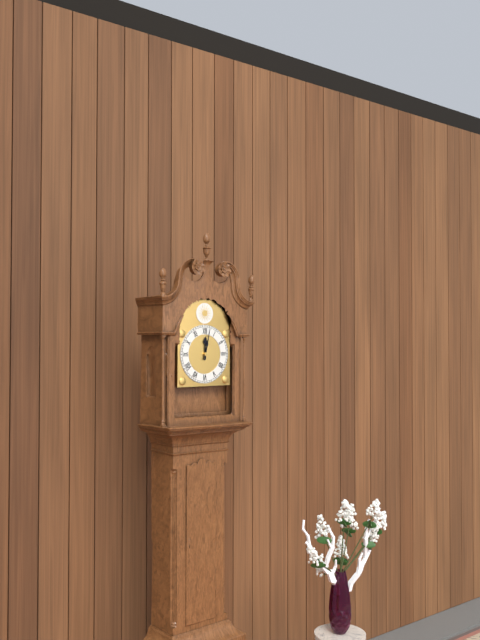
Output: {"hour": 12, "minute": 2}
